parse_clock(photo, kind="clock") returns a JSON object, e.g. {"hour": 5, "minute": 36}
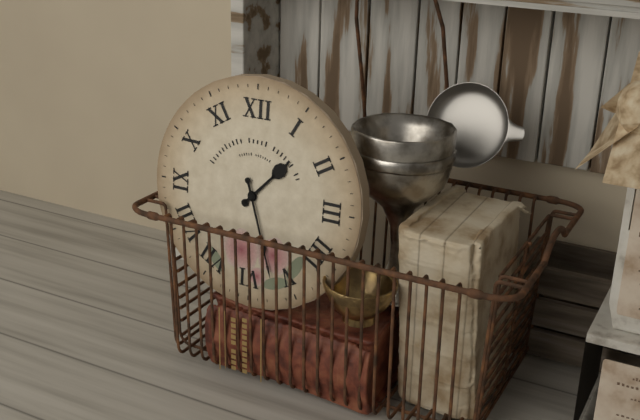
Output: {"hour": 1, "minute": 27}
